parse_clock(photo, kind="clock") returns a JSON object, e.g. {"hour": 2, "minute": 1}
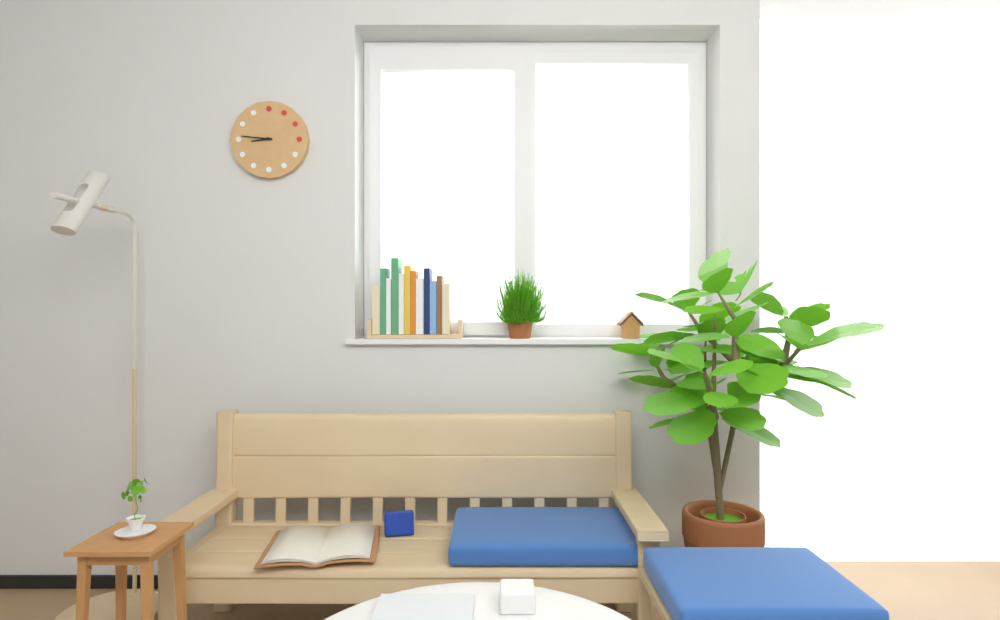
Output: {"hour": 8, "minute": 46}
